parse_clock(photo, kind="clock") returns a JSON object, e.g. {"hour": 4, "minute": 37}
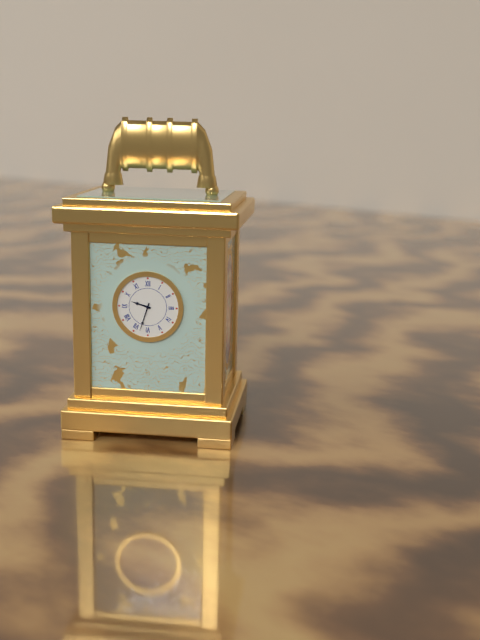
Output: {"hour": 9, "minute": 33}
